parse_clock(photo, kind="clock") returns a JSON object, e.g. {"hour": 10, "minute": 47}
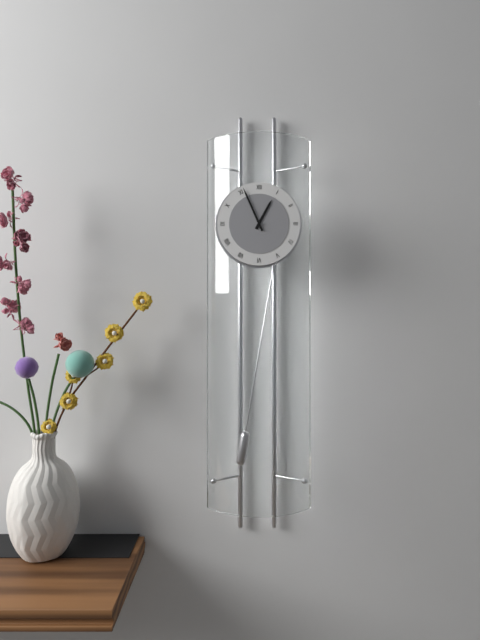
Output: {"hour": 12, "minute": 56}
